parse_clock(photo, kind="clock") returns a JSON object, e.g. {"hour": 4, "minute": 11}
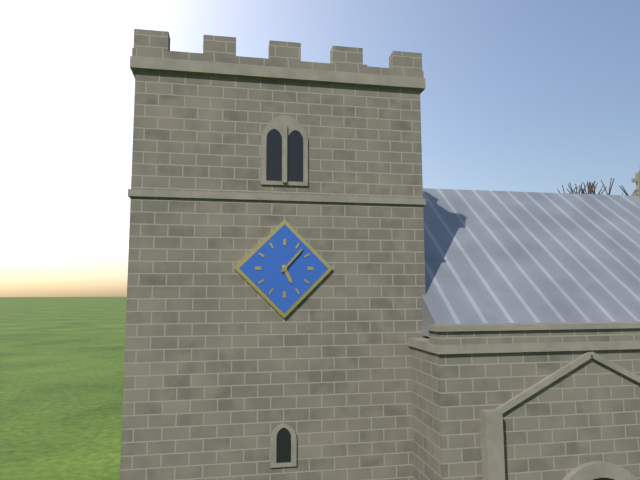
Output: {"hour": 5, "minute": 7}
